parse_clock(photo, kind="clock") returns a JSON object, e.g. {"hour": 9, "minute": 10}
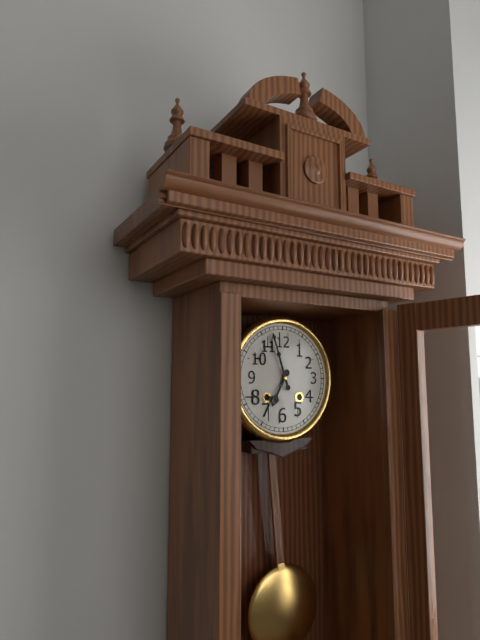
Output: {"hour": 6, "minute": 57}
